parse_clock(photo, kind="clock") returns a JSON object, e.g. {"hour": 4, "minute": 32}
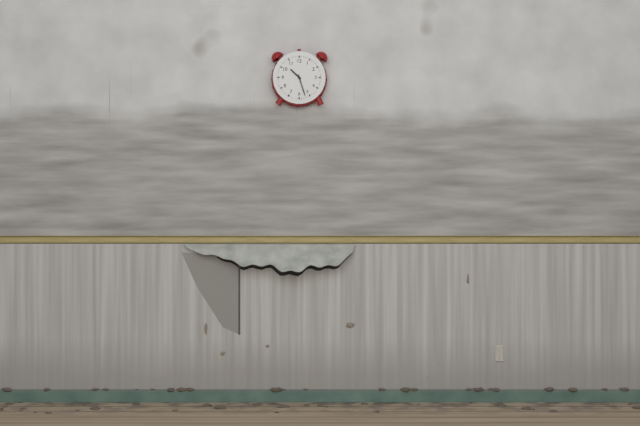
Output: {"hour": 10, "minute": 27}
